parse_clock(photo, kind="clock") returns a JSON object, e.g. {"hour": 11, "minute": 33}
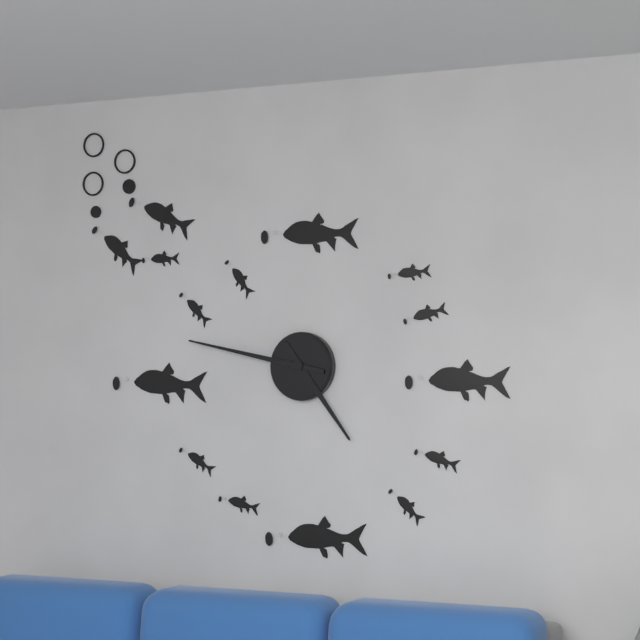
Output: {"hour": 4, "minute": 47}
